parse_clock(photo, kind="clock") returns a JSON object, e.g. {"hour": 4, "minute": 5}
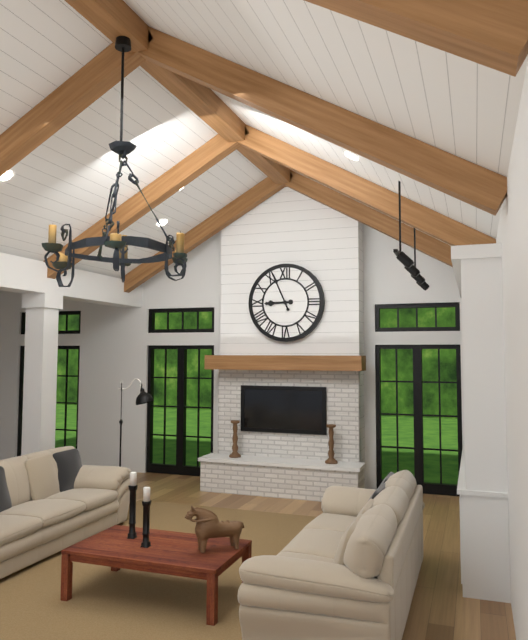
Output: {"hour": 8, "minute": 56}
